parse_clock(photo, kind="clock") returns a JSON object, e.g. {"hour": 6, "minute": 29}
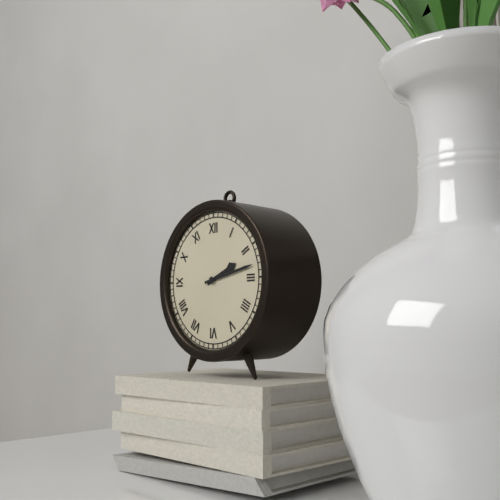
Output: {"hour": 2, "minute": 13}
